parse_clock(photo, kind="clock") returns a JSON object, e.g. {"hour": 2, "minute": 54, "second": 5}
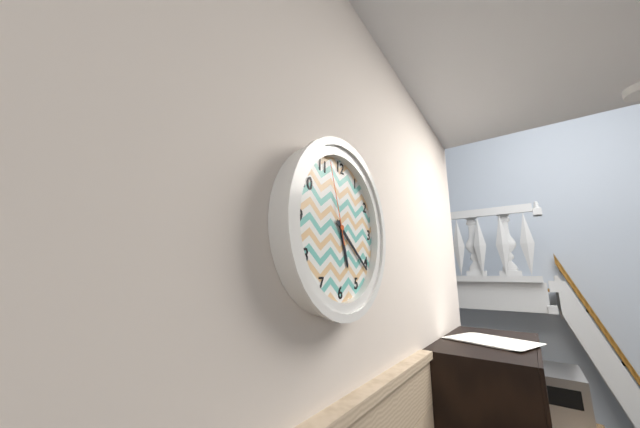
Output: {"hour": 5, "minute": 21, "second": 57}
